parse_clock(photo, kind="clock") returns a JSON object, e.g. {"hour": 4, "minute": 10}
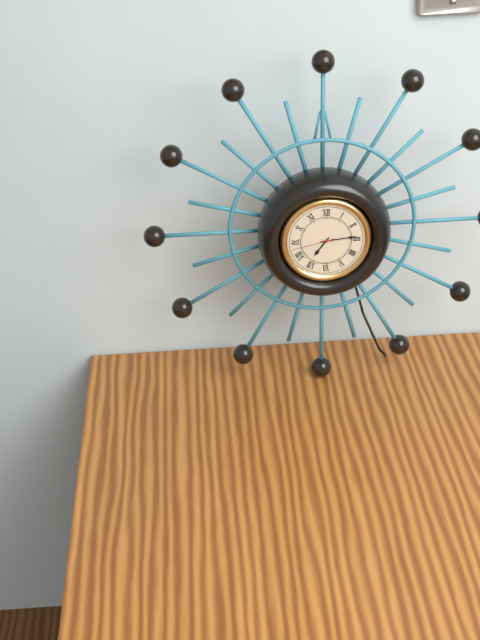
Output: {"hour": 7, "minute": 14}
